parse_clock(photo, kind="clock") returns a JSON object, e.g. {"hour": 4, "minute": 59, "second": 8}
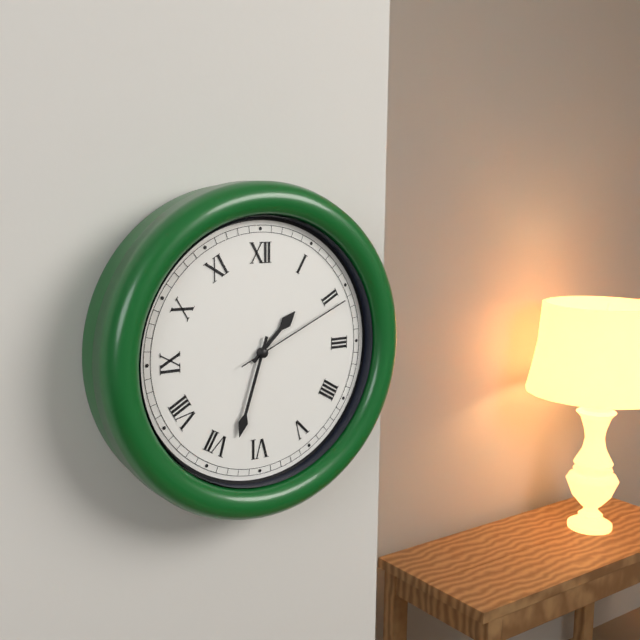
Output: {"hour": 1, "minute": 33, "second": 11}
